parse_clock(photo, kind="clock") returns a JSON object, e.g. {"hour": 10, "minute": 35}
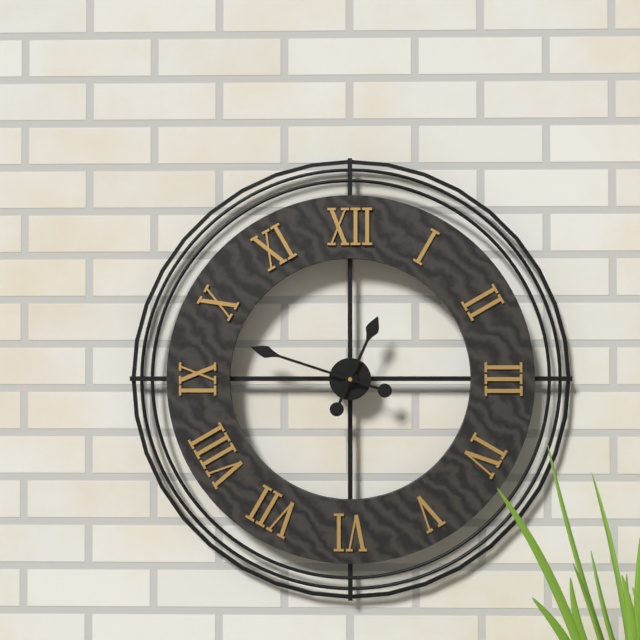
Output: {"hour": 12, "minute": 48}
